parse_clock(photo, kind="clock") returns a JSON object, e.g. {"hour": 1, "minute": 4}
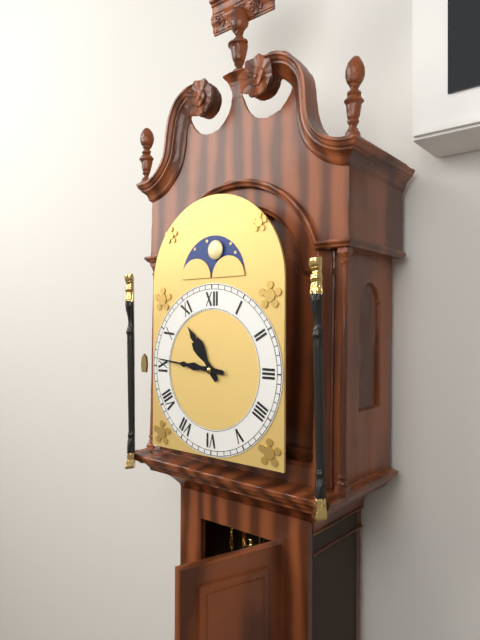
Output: {"hour": 10, "minute": 46}
